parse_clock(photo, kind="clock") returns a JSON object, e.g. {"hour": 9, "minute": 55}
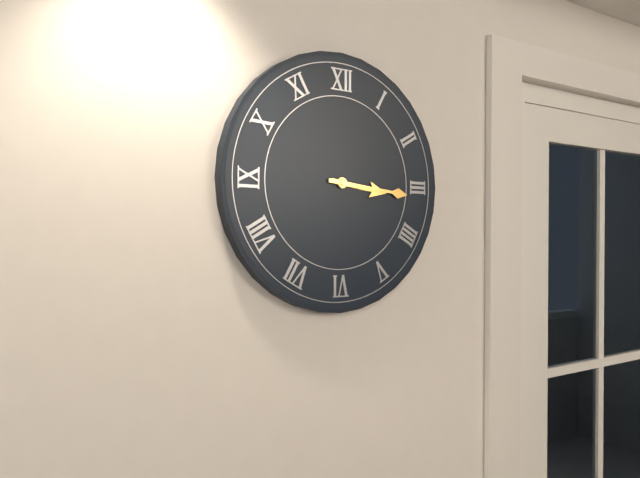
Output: {"hour": 3, "minute": 16}
